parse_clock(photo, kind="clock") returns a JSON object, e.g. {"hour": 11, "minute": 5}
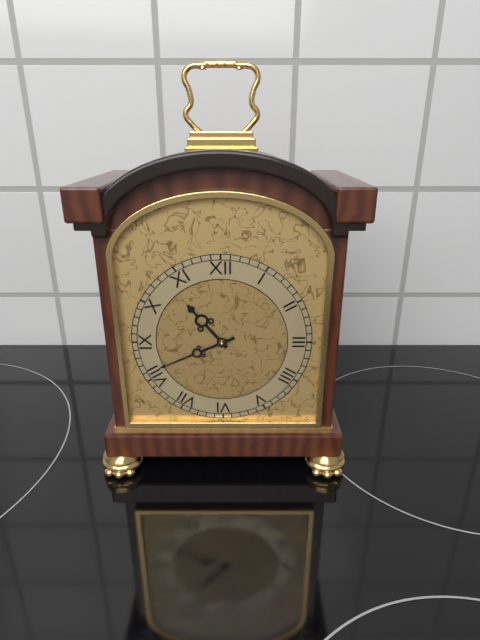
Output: {"hour": 10, "minute": 41}
